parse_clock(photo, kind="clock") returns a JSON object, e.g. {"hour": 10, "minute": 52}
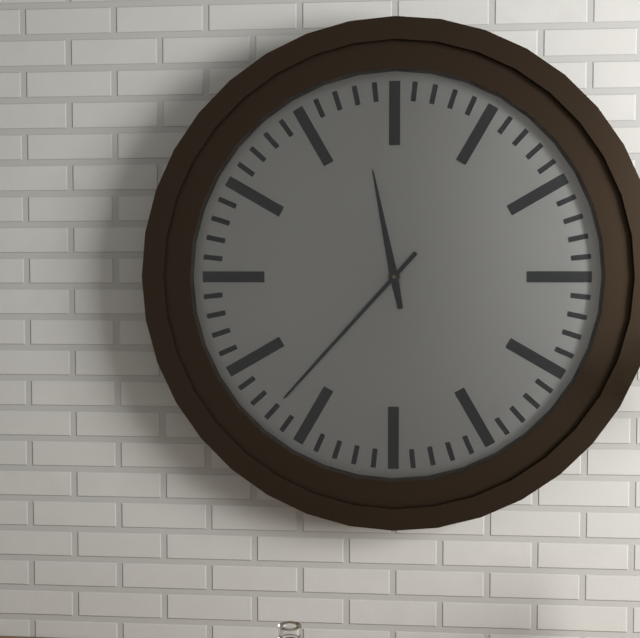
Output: {"hour": 11, "minute": 37}
